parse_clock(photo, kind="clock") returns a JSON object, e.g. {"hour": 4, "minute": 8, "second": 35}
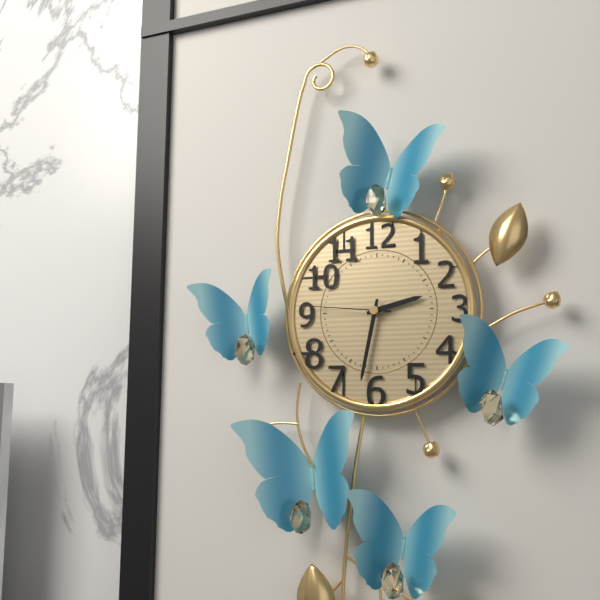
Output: {"hour": 2, "minute": 32, "second": 46}
